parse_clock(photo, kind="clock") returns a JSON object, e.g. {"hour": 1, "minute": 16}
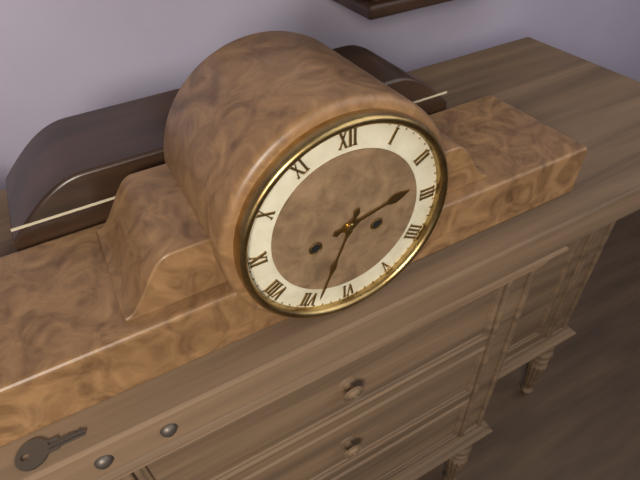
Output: {"hour": 2, "minute": 34}
